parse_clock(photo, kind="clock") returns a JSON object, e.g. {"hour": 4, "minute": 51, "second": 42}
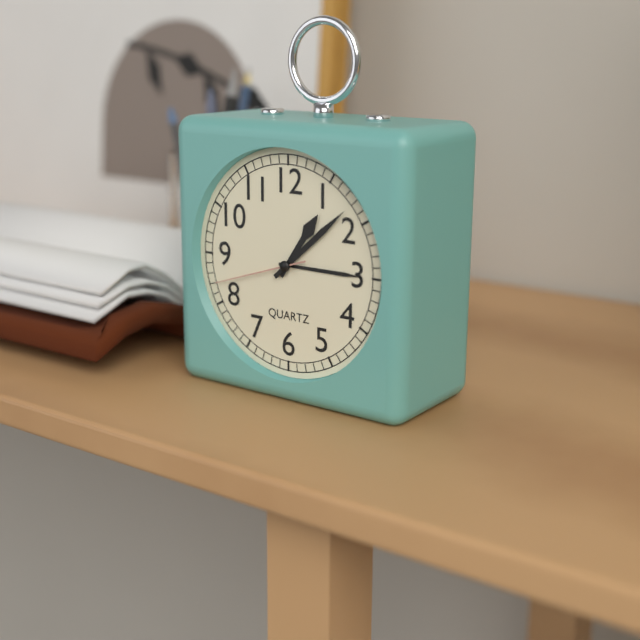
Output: {"hour": 1, "minute": 8, "second": 42}
